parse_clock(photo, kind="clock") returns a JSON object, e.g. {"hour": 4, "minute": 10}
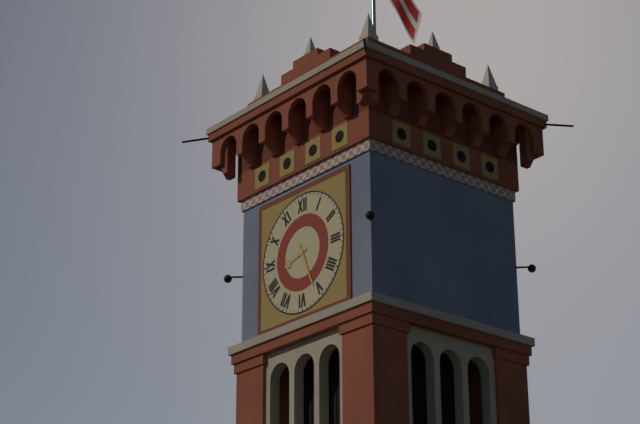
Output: {"hour": 8, "minute": 26}
